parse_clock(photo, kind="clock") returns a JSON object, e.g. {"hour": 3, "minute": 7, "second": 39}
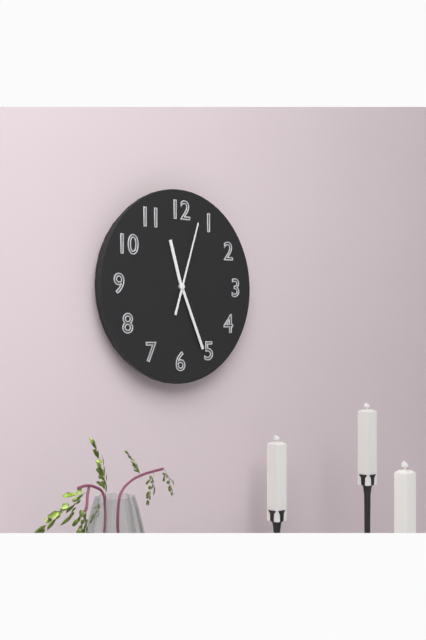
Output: {"hour": 11, "minute": 26, "second": 3}
